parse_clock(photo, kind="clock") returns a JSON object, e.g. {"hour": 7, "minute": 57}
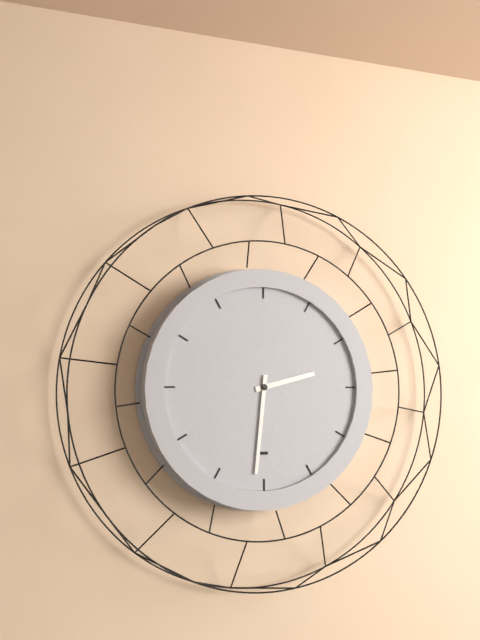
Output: {"hour": 2, "minute": 31}
